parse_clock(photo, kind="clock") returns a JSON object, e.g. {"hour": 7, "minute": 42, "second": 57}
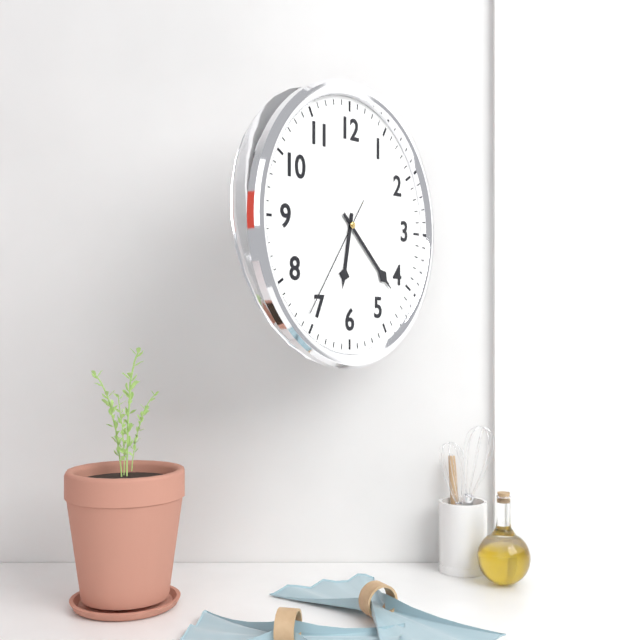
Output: {"hour": 6, "minute": 22, "second": 36}
